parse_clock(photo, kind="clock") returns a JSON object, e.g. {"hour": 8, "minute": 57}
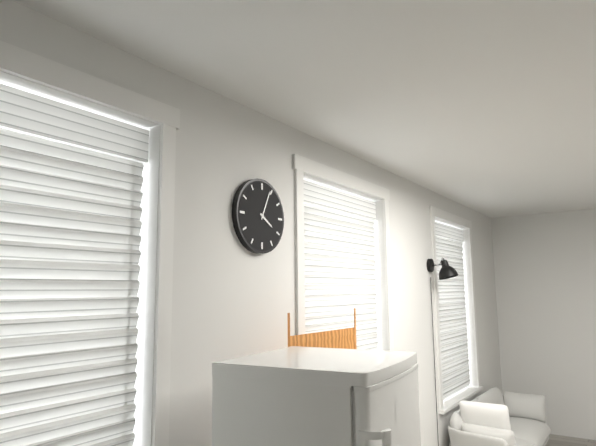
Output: {"hour": 4, "minute": 4}
